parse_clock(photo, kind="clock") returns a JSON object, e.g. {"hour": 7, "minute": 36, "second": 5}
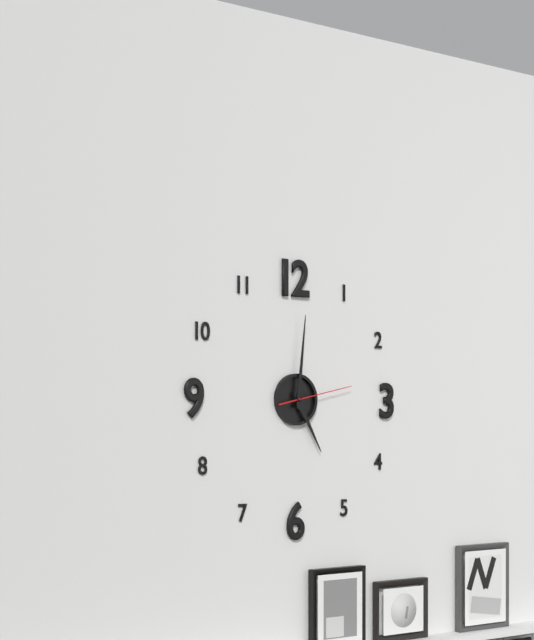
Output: {"hour": 5, "minute": 1, "second": 13}
